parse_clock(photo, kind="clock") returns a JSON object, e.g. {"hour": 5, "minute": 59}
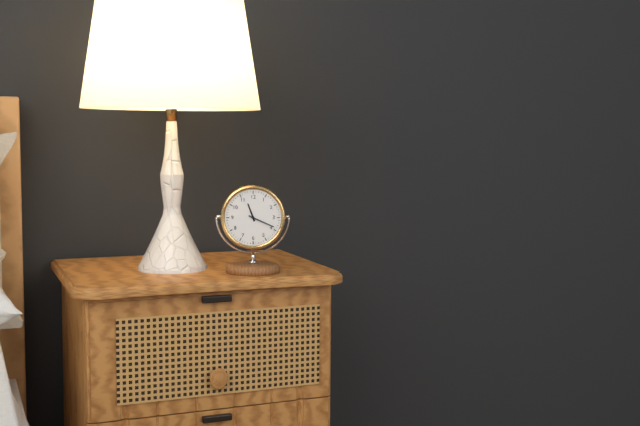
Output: {"hour": 11, "minute": 19}
